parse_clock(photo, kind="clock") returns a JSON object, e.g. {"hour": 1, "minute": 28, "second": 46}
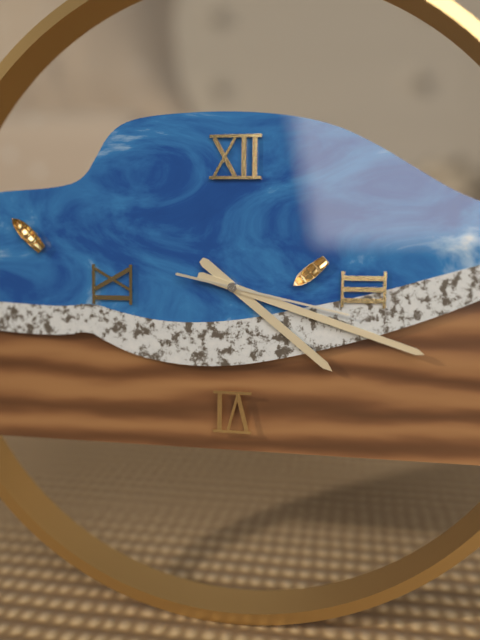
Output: {"hour": 4, "minute": 18, "second": 17}
